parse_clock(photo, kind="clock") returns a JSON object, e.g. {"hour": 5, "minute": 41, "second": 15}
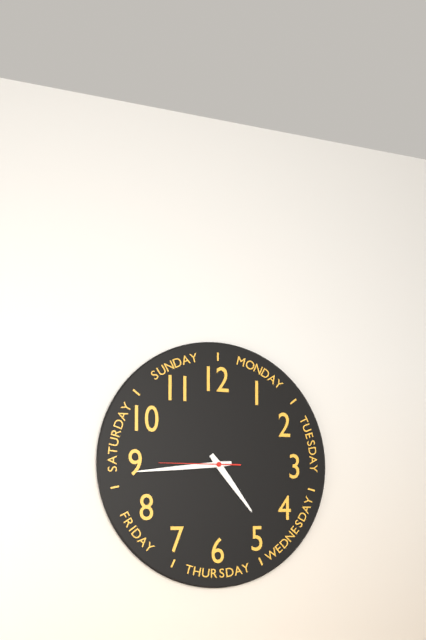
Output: {"hour": 4, "minute": 44, "second": 45}
